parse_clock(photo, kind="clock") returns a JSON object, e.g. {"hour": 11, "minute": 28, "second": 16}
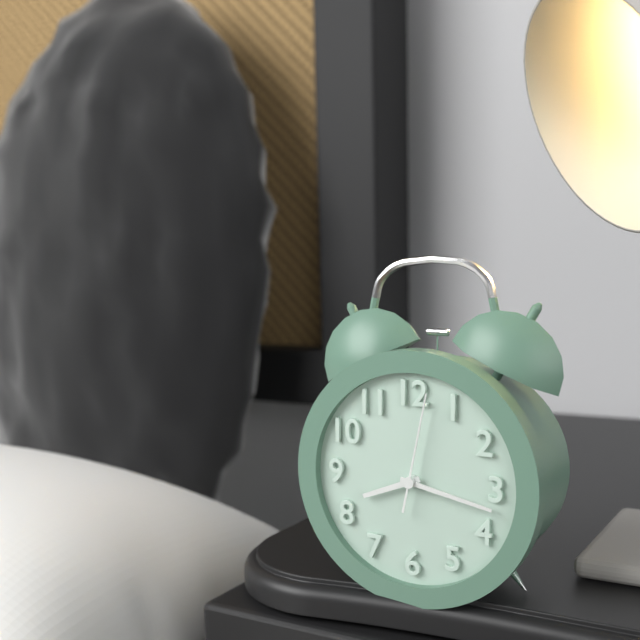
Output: {"hour": 8, "minute": 17, "second": 2}
